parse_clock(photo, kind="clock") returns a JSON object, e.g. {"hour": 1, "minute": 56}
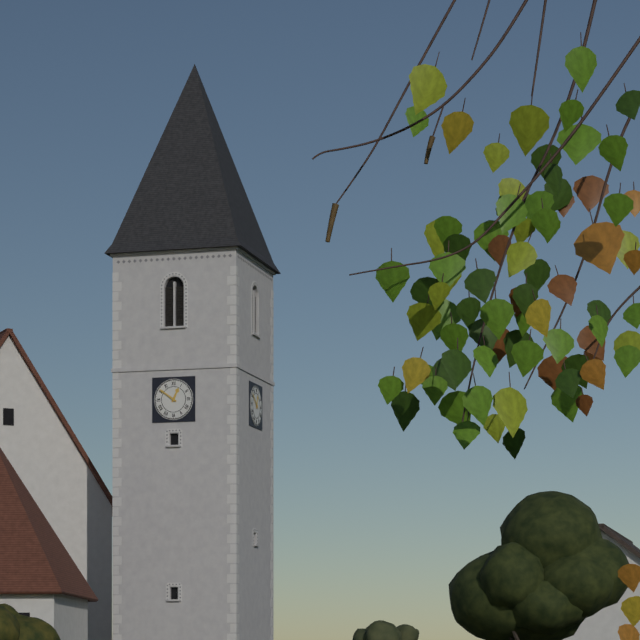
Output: {"hour": 12, "minute": 51}
